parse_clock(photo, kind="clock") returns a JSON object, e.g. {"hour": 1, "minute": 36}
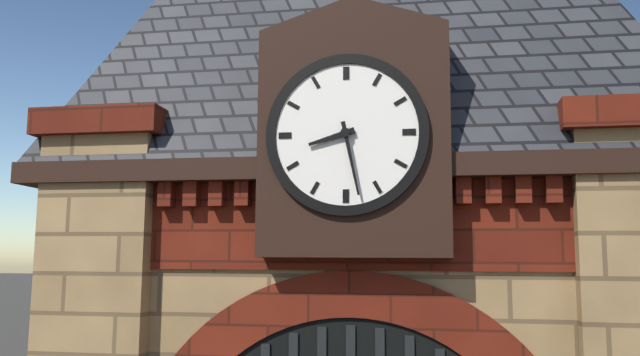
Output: {"hour": 8, "minute": 28}
